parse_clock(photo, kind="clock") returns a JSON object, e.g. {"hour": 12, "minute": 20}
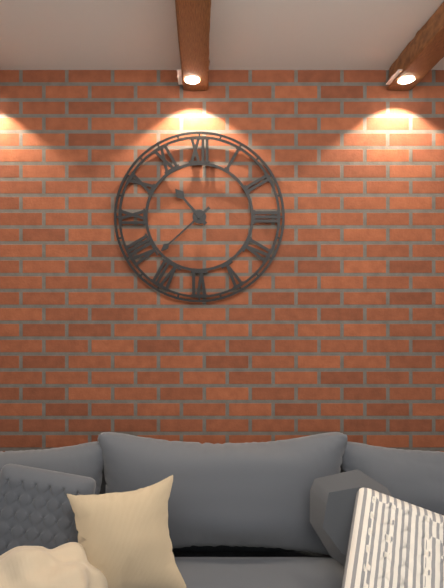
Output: {"hour": 10, "minute": 38}
